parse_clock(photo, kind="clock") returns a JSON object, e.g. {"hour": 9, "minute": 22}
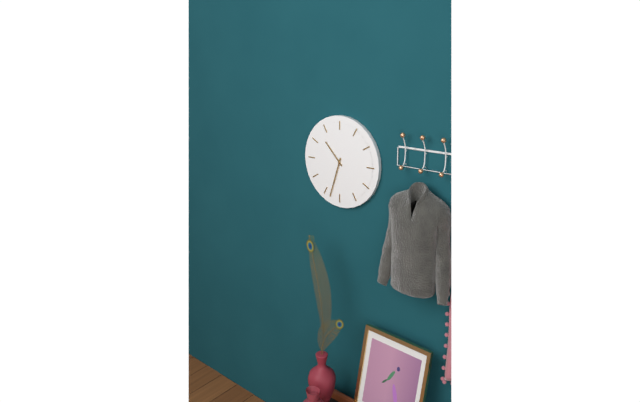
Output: {"hour": 10, "minute": 33}
